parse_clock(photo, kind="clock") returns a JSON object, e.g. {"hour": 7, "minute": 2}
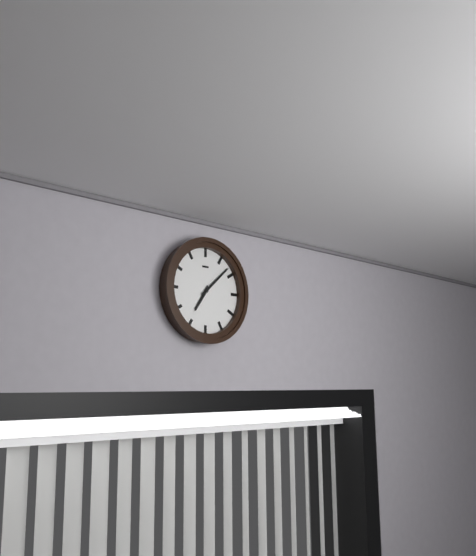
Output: {"hour": 7, "minute": 8}
